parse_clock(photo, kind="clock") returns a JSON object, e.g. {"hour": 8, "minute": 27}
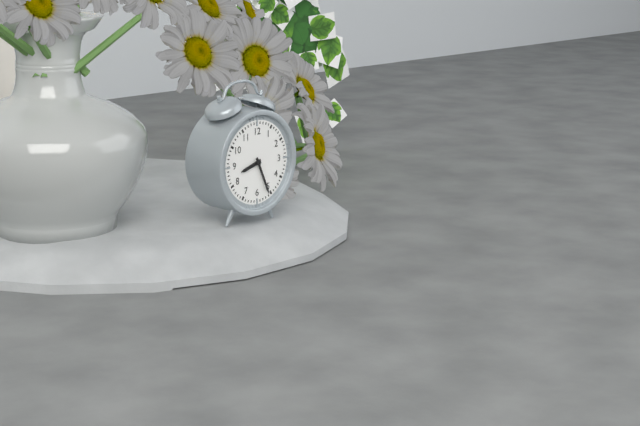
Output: {"hour": 8, "minute": 26}
